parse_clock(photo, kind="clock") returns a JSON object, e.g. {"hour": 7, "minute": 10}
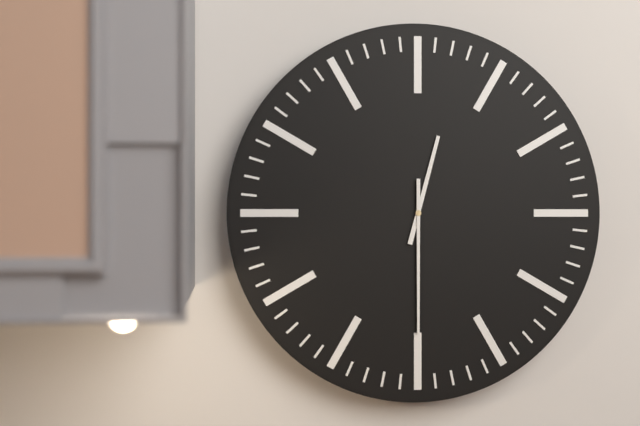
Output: {"hour": 12, "minute": 30}
